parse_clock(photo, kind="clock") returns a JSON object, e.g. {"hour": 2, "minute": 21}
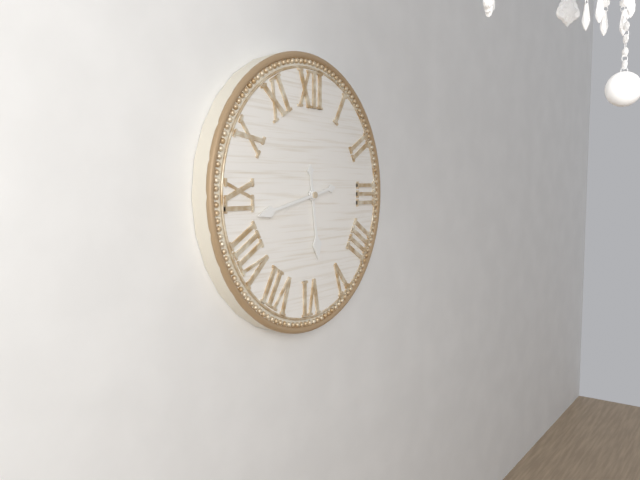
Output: {"hour": 5, "minute": 43}
